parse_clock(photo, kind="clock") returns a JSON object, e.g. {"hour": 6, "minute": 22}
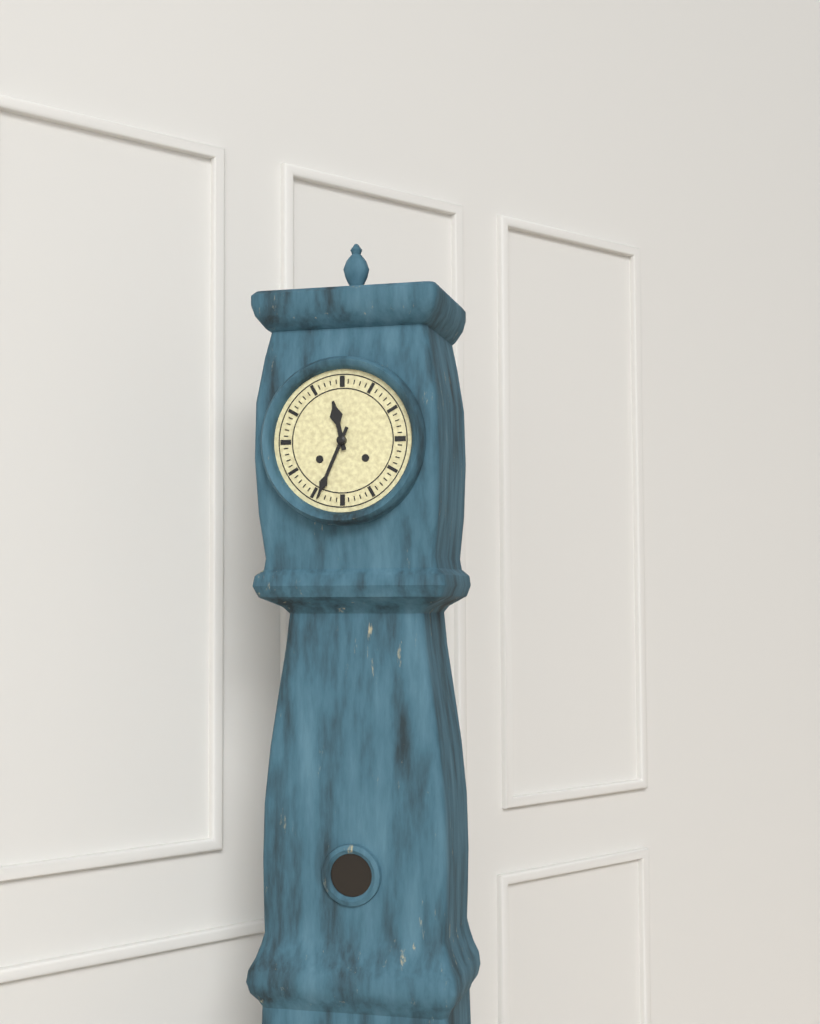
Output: {"hour": 11, "minute": 34}
